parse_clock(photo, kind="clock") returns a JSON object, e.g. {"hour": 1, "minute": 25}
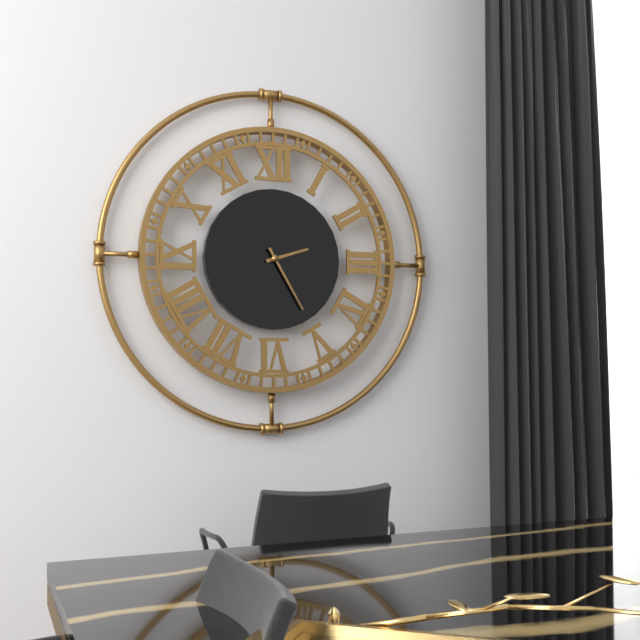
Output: {"hour": 2, "minute": 25}
